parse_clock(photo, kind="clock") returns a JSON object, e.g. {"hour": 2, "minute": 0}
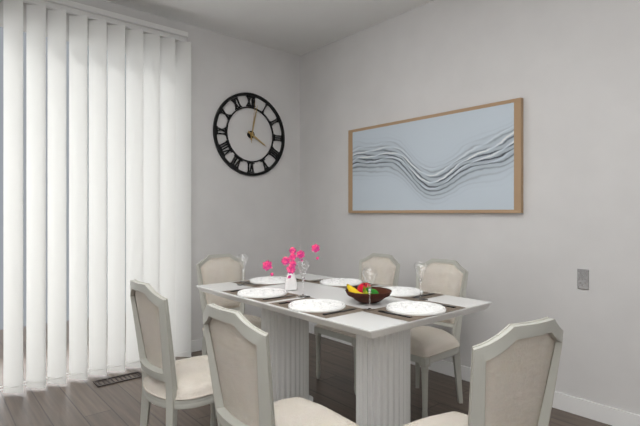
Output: {"hour": 4, "minute": 2}
